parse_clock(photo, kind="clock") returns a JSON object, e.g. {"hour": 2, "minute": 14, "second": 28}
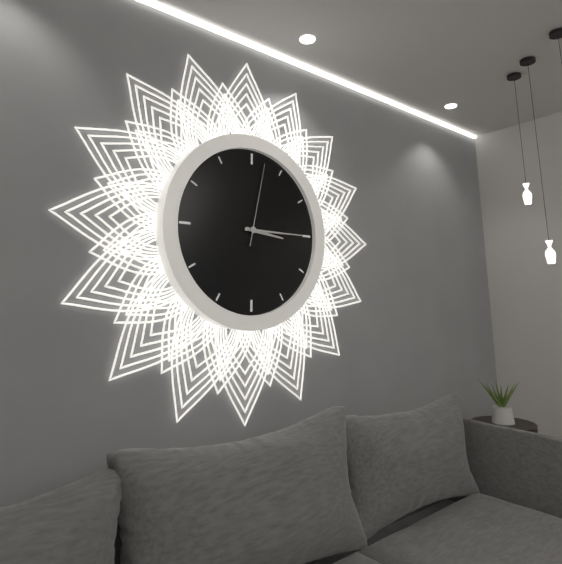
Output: {"hour": 3, "minute": 15, "second": 2}
